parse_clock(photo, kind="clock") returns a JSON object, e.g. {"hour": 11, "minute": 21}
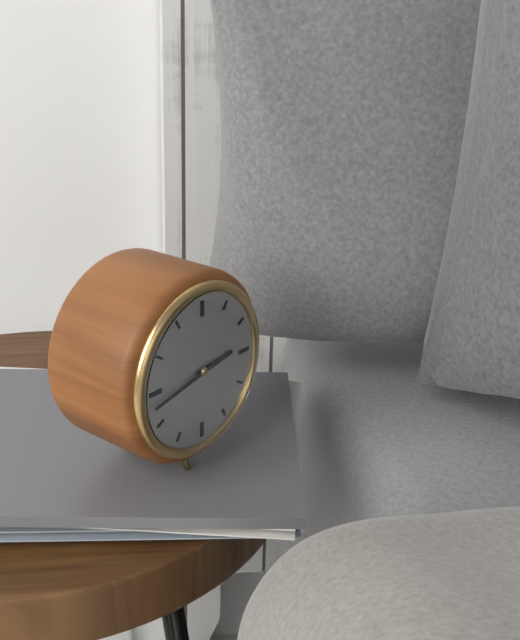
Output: {"hour": 2, "minute": 43}
